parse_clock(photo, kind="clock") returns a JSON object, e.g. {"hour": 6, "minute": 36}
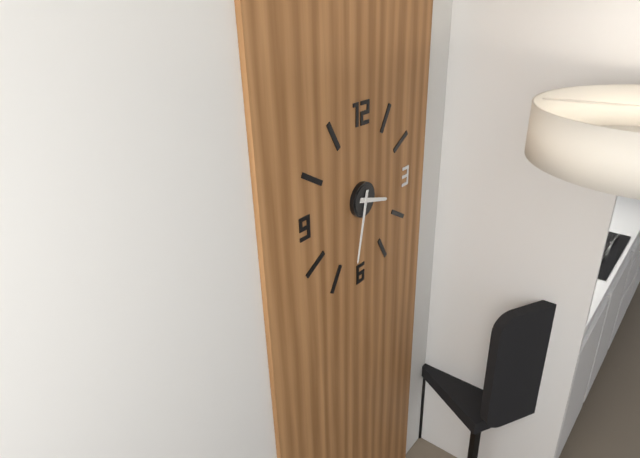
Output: {"hour": 3, "minute": 32}
